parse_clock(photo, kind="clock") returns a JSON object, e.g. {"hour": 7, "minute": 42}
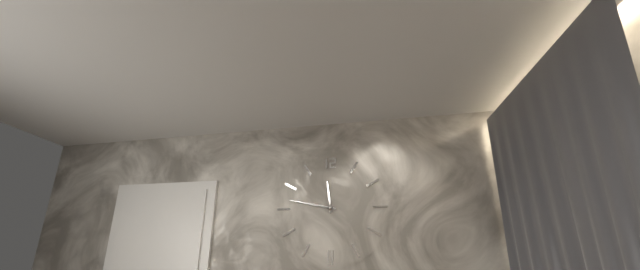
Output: {"hour": 11, "minute": 47}
